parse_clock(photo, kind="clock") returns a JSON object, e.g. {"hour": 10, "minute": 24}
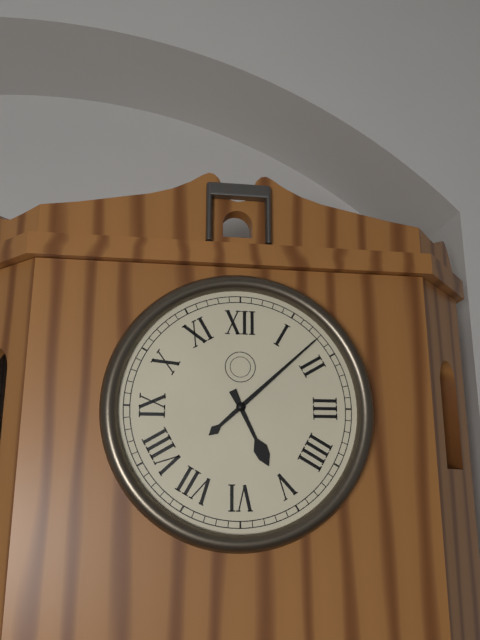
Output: {"hour": 5, "minute": 8}
